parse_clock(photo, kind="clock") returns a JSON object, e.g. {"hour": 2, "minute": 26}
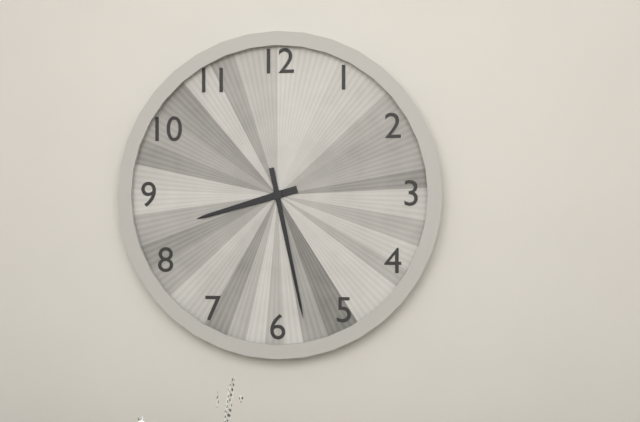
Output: {"hour": 8, "minute": 28}
